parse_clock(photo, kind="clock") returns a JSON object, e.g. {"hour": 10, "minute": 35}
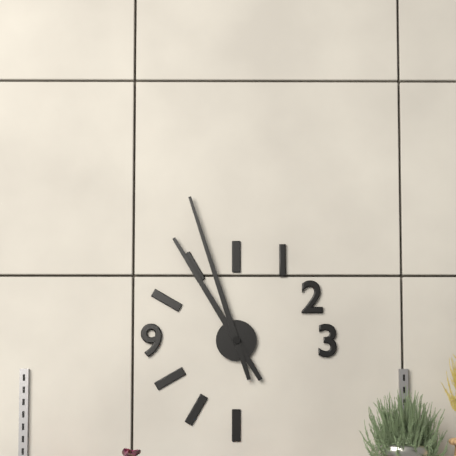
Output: {"hour": 10, "minute": 57}
